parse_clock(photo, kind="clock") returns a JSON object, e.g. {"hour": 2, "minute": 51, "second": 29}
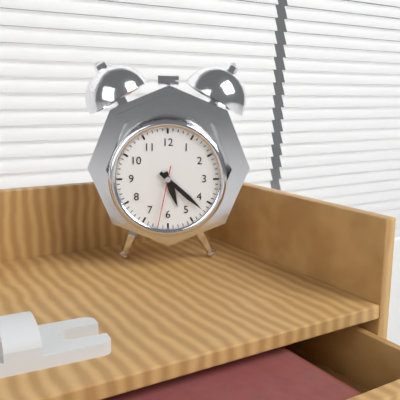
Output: {"hour": 5, "minute": 22, "second": 32}
